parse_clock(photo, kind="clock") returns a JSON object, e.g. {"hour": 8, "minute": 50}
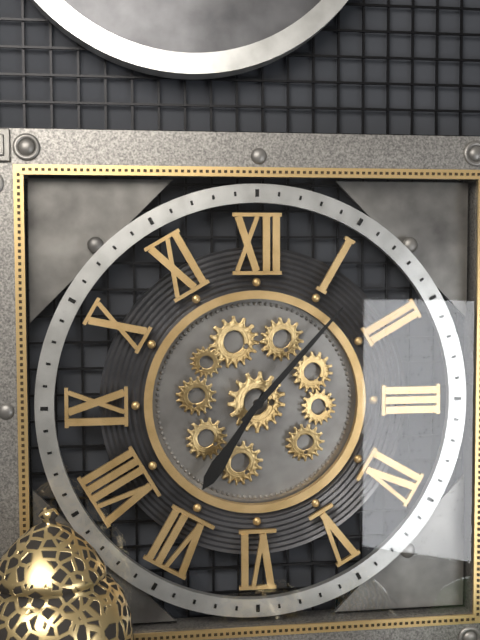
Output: {"hour": 7, "minute": 7}
